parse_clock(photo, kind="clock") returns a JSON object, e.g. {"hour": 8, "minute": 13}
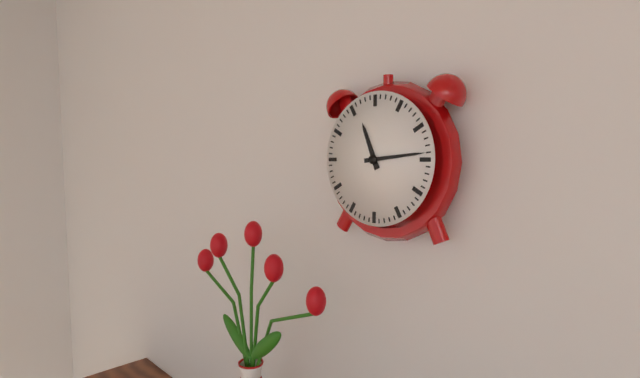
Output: {"hour": 11, "minute": 14}
